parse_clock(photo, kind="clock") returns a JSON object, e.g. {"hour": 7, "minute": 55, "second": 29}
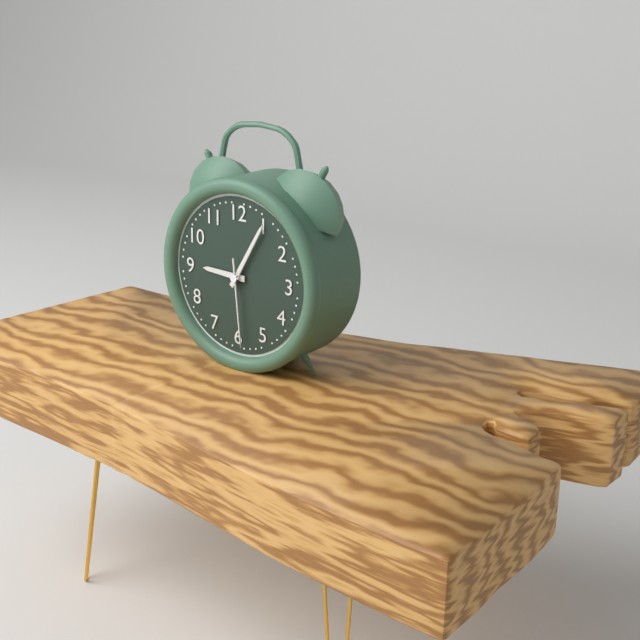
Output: {"hour": 9, "minute": 5, "second": 29}
